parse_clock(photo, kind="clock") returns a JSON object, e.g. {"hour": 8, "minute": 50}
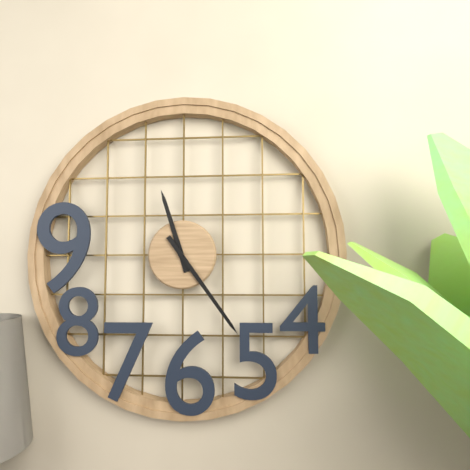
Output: {"hour": 11, "minute": 24}
